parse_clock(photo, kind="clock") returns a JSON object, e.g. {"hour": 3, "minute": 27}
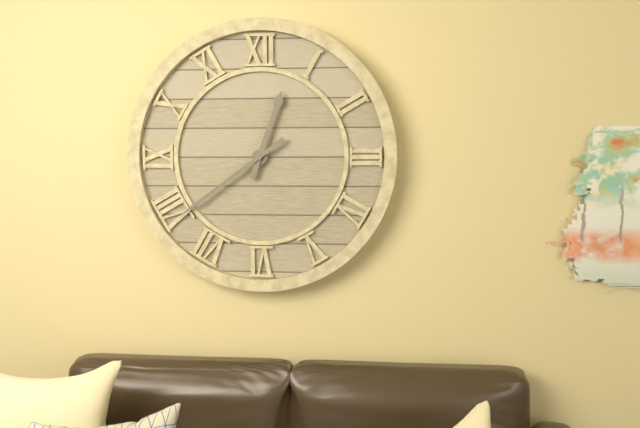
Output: {"hour": 12, "minute": 39}
